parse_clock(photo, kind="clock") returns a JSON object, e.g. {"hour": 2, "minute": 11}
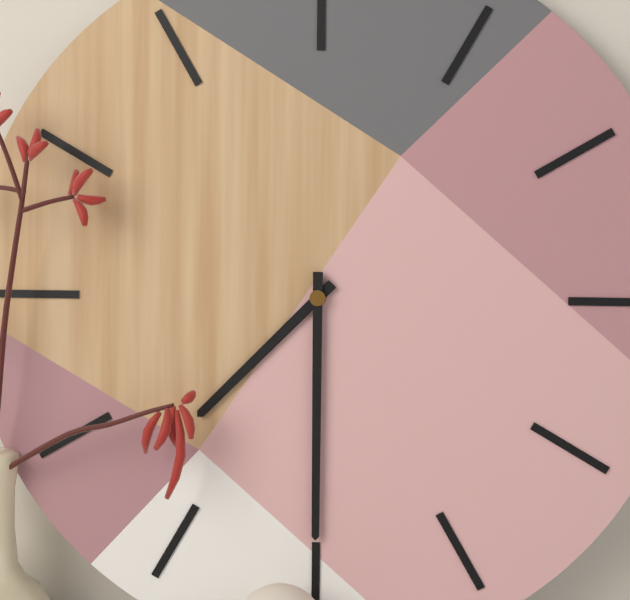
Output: {"hour": 7, "minute": 30}
